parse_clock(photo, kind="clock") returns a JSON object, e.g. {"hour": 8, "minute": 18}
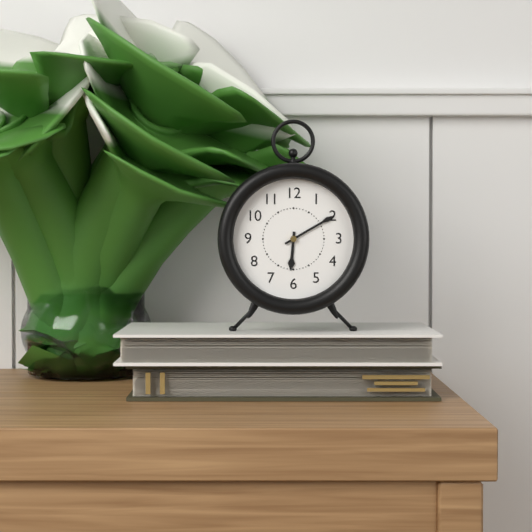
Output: {"hour": 6, "minute": 10}
